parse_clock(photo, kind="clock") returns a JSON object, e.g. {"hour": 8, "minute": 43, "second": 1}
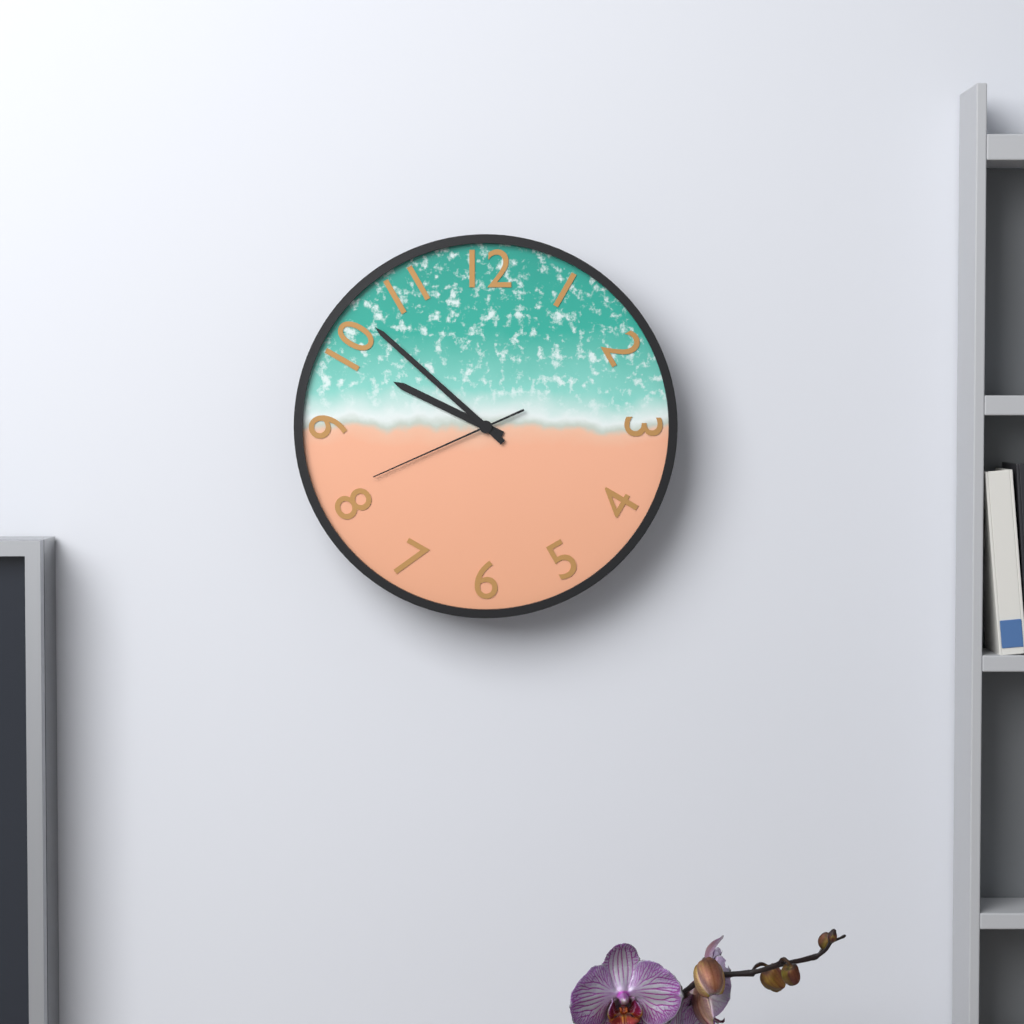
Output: {"hour": 9, "minute": 52, "second": 41}
